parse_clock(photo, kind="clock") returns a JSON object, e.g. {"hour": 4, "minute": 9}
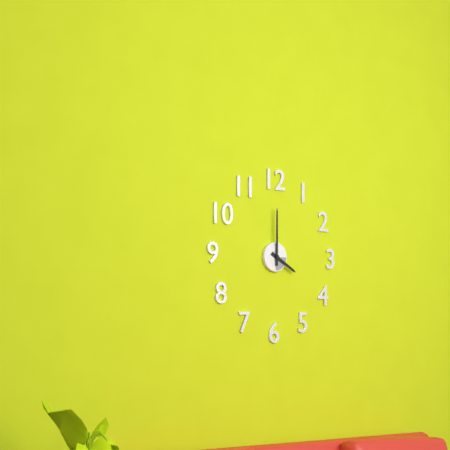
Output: {"hour": 4, "minute": 0}
